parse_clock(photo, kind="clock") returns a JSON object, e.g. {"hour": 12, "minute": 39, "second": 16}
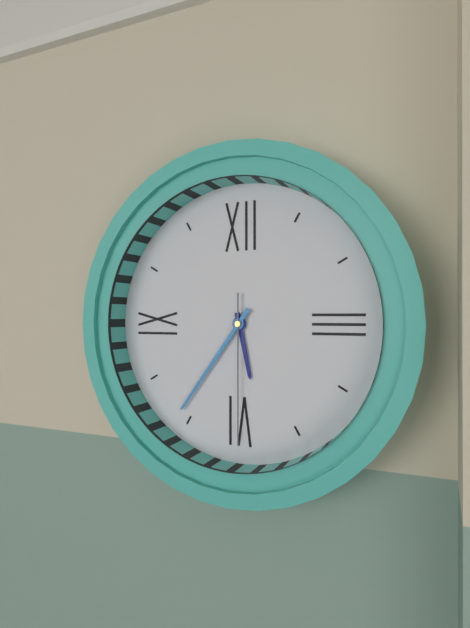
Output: {"hour": 5, "minute": 36, "second": 30}
